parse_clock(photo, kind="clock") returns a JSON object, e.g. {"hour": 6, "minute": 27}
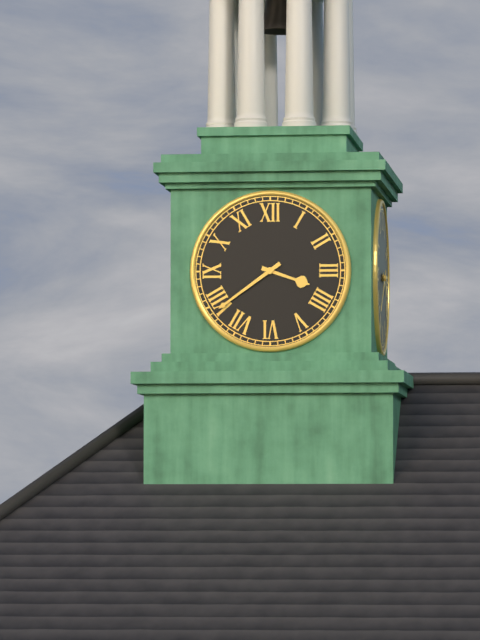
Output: {"hour": 3, "minute": 39}
